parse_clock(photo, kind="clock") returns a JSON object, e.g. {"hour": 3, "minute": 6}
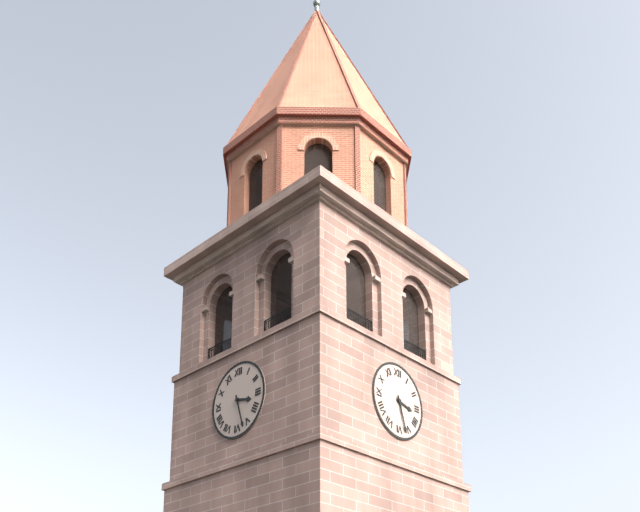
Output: {"hour": 3, "minute": 27}
